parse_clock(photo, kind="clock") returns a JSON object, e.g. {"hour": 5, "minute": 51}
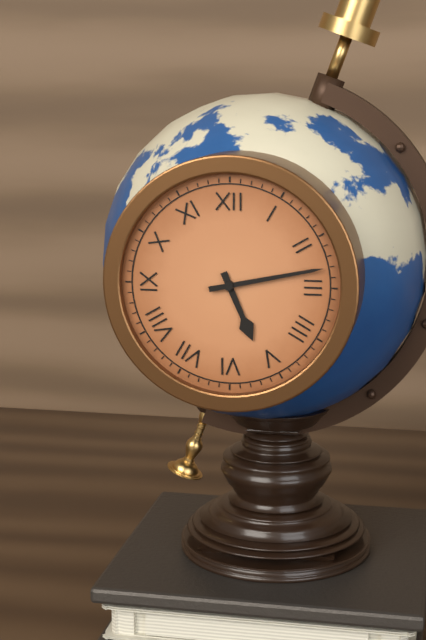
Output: {"hour": 5, "minute": 13}
